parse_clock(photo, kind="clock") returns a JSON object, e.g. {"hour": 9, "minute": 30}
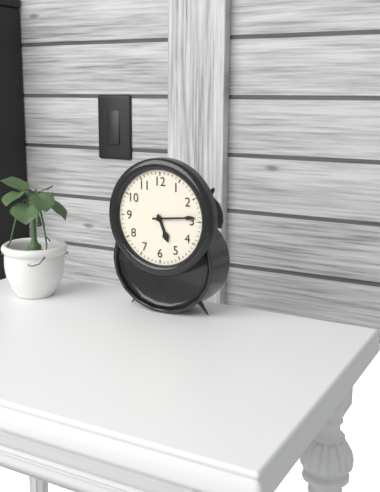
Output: {"hour": 5, "minute": 14}
